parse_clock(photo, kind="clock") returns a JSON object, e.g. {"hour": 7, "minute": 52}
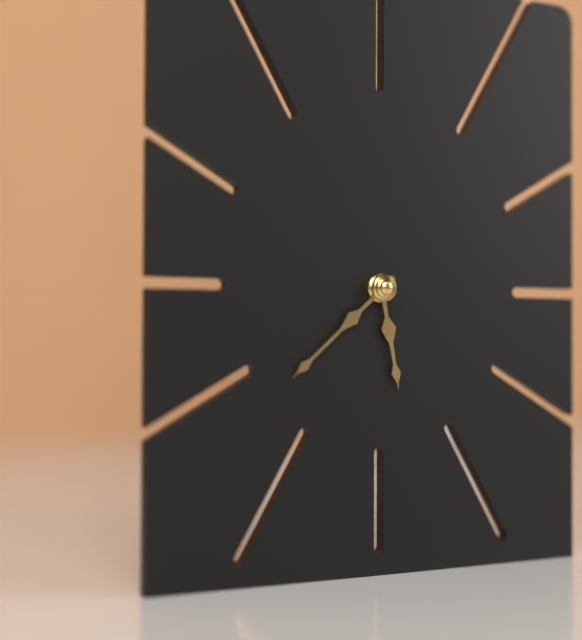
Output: {"hour": 5, "minute": 38}
